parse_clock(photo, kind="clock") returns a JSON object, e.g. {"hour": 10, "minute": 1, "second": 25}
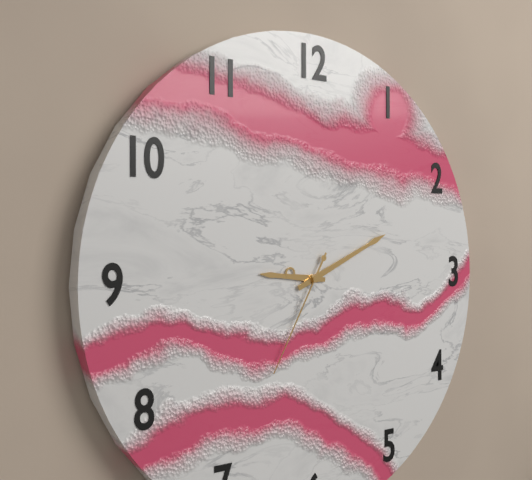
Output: {"hour": 9, "minute": 11, "second": 35}
